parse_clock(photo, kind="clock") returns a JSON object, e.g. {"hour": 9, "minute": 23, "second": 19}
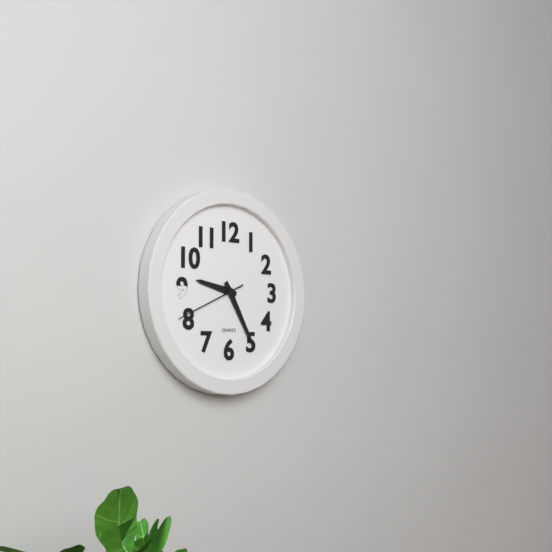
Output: {"hour": 9, "minute": 25, "second": 41}
